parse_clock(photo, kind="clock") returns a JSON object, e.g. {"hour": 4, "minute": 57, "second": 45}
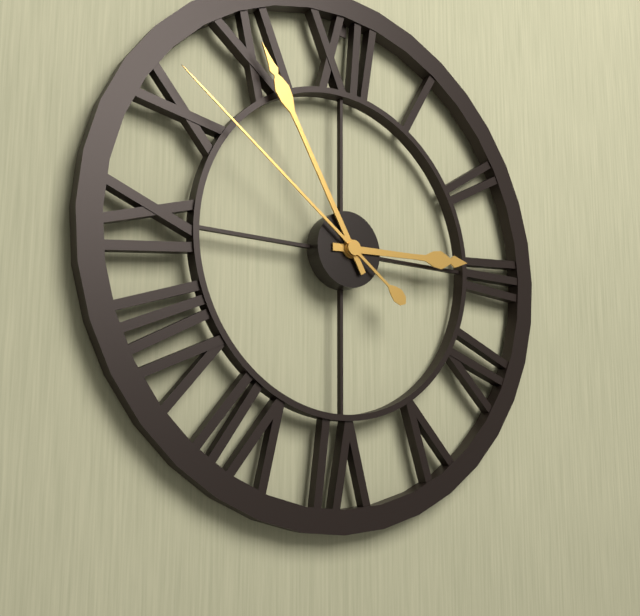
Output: {"hour": 2, "minute": 55, "second": 51}
